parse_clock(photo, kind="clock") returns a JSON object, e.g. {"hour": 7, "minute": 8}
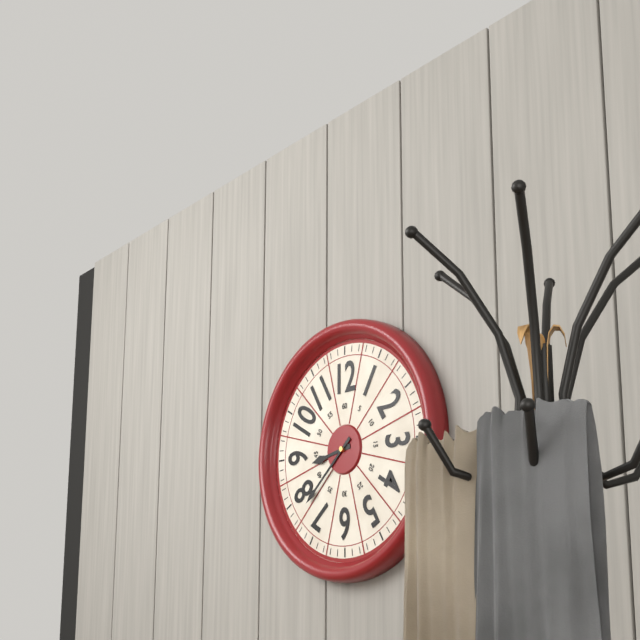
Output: {"hour": 8, "minute": 38}
